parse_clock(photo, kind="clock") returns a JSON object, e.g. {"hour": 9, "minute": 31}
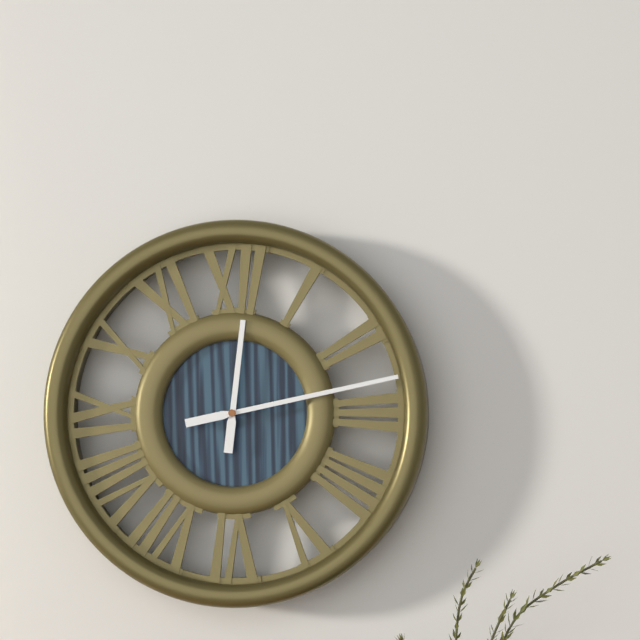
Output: {"hour": 12, "minute": 13}
